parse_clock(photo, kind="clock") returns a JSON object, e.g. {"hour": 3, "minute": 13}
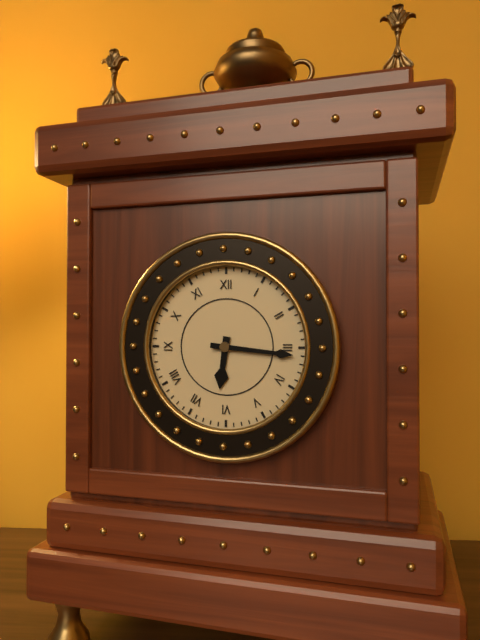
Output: {"hour": 6, "minute": 16}
